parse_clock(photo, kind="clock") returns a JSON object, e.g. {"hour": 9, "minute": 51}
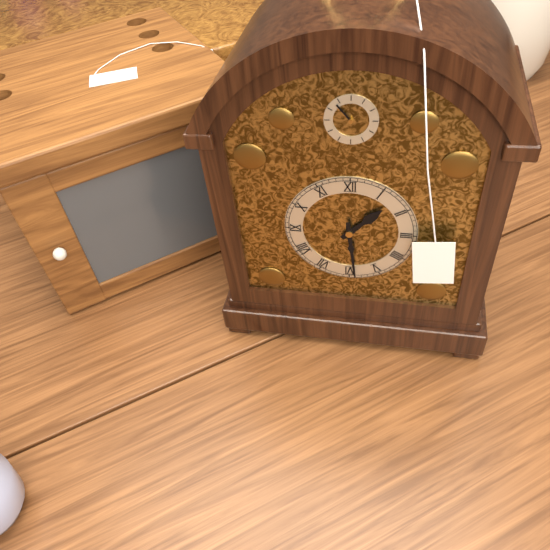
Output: {"hour": 1, "minute": 29}
